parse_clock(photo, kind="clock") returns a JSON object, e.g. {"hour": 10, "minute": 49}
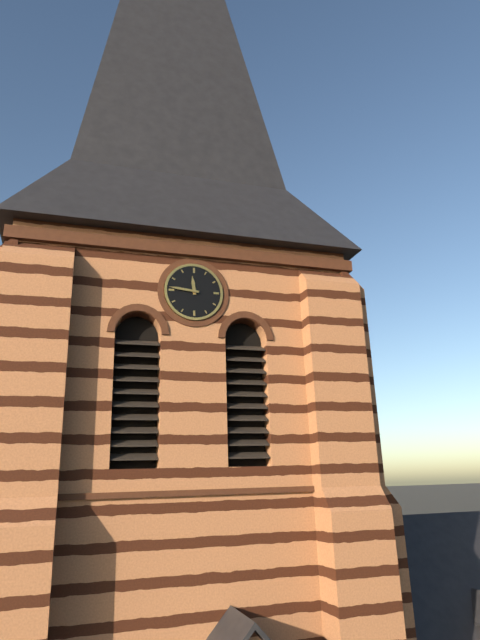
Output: {"hour": 11, "minute": 46}
